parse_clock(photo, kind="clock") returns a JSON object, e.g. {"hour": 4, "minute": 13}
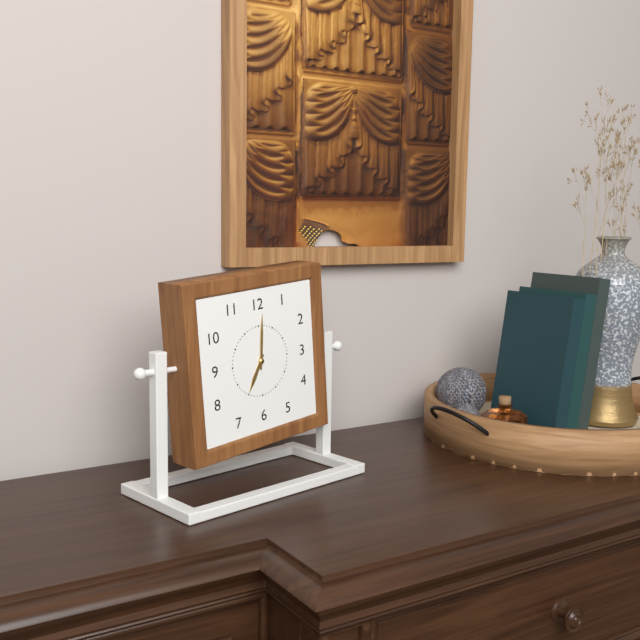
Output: {"hour": 7, "minute": 1}
